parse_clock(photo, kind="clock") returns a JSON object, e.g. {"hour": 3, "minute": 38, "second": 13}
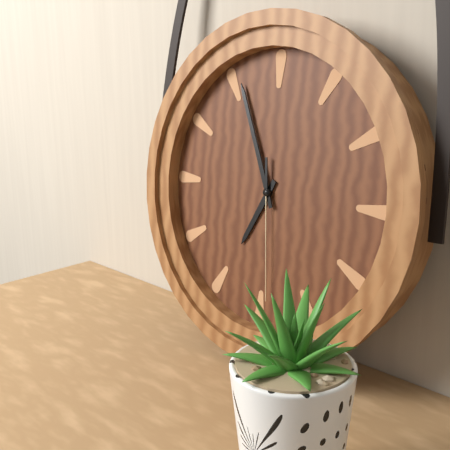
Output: {"hour": 6, "minute": 56, "second": 29}
